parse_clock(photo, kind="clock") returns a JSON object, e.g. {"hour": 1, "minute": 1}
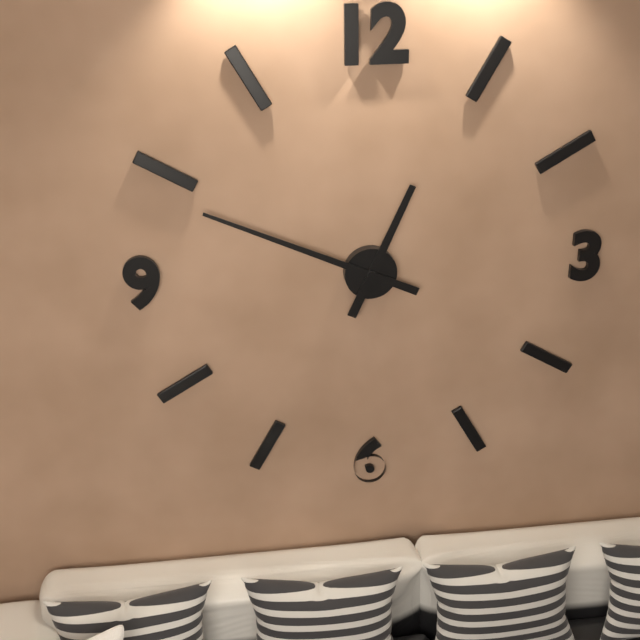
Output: {"hour": 12, "minute": 49}
